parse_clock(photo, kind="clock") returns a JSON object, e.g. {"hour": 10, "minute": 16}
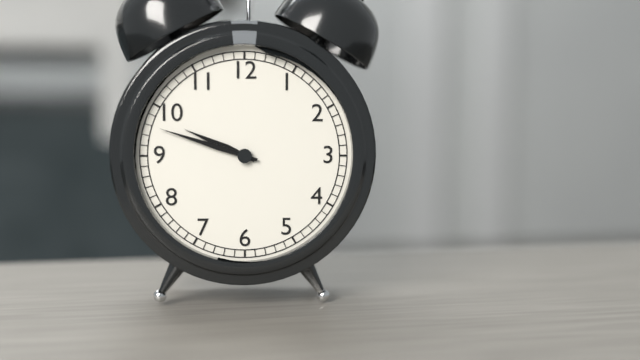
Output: {"hour": 9, "minute": 48}
